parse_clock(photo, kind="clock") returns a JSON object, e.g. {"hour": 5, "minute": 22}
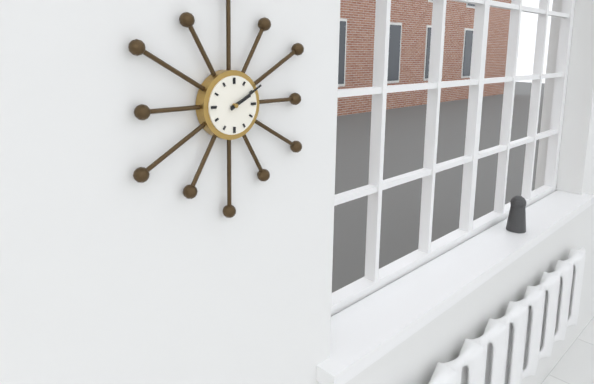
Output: {"hour": 2, "minute": 10}
